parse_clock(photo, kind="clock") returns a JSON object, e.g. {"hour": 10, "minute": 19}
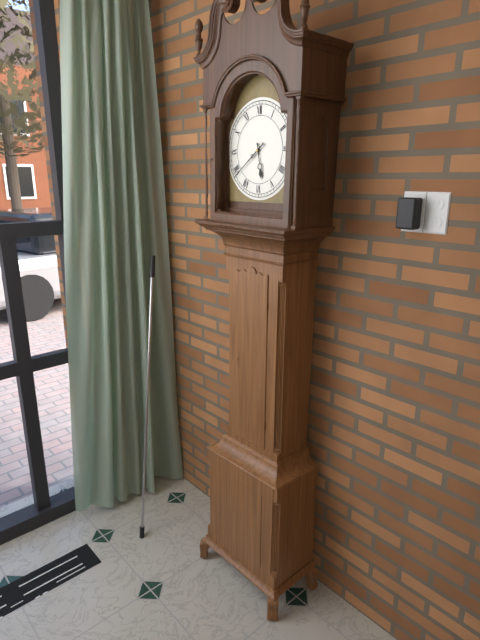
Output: {"hour": 5, "minute": 39}
